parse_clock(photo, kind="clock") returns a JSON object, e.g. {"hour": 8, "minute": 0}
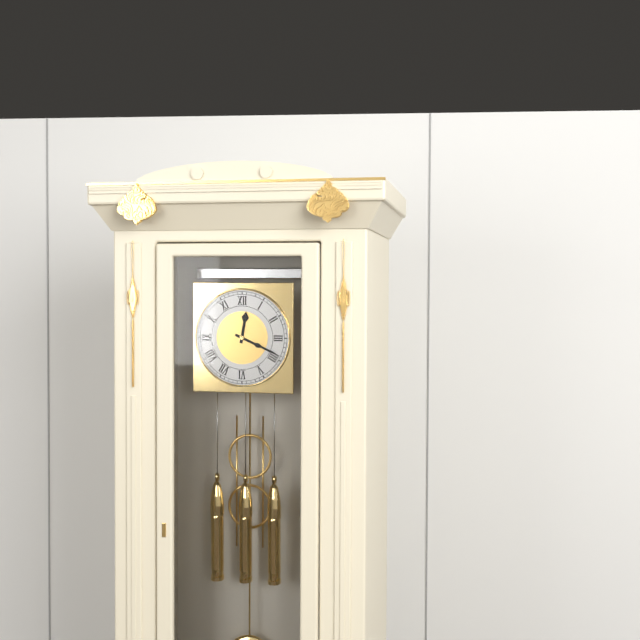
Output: {"hour": 12, "minute": 19}
